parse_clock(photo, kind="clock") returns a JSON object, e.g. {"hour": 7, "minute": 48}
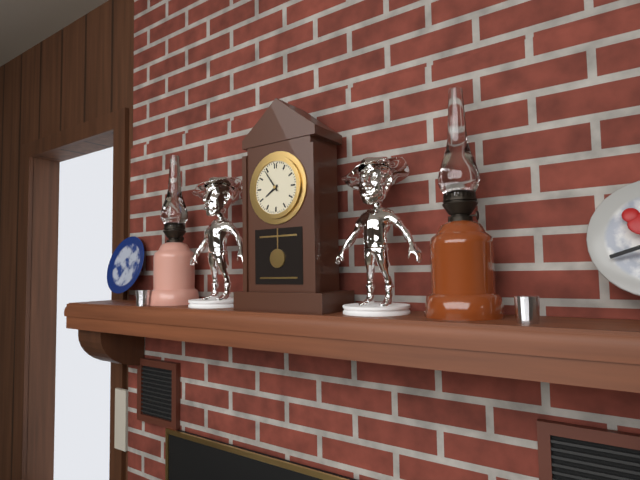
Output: {"hour": 7, "minute": 54}
